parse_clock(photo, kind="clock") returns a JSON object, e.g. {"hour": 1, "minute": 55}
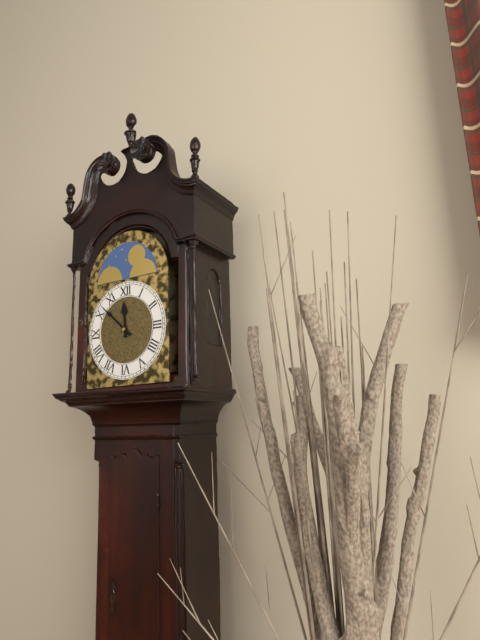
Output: {"hour": 11, "minute": 52}
